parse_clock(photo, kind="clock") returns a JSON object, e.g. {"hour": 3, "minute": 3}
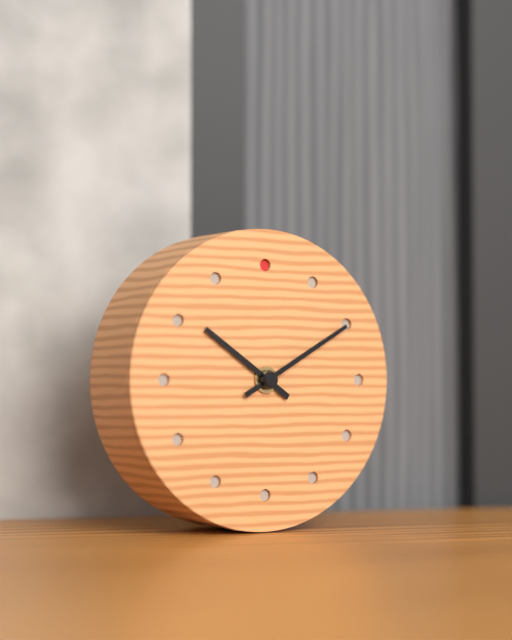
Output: {"hour": 10, "minute": 10}
